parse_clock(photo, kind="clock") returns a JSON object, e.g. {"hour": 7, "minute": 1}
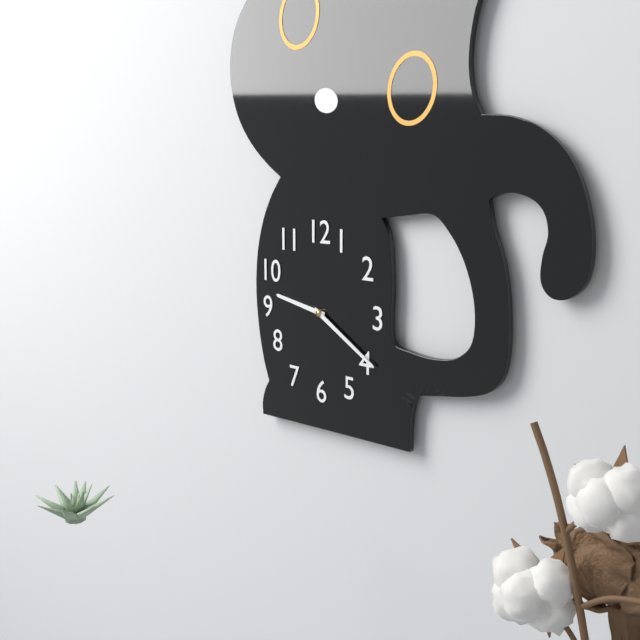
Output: {"hour": 9, "minute": 20}
